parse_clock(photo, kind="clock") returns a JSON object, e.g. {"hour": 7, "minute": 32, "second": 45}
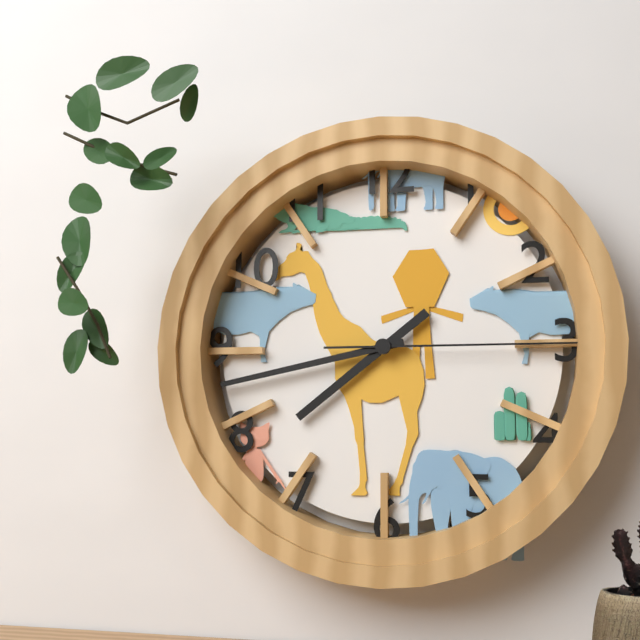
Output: {"hour": 7, "minute": 43, "second": 15}
